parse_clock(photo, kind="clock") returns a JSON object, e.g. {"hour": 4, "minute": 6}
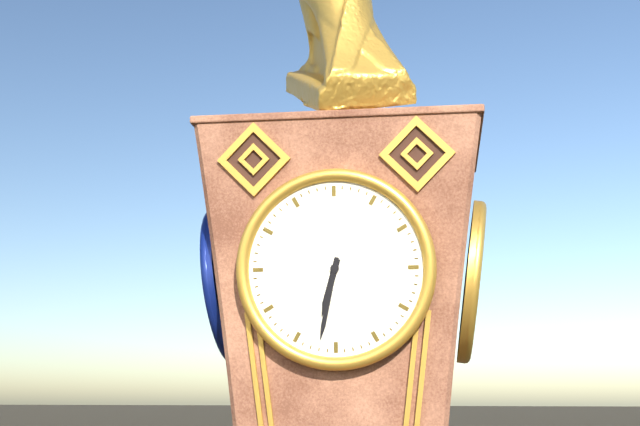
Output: {"hour": 6, "minute": 32}
